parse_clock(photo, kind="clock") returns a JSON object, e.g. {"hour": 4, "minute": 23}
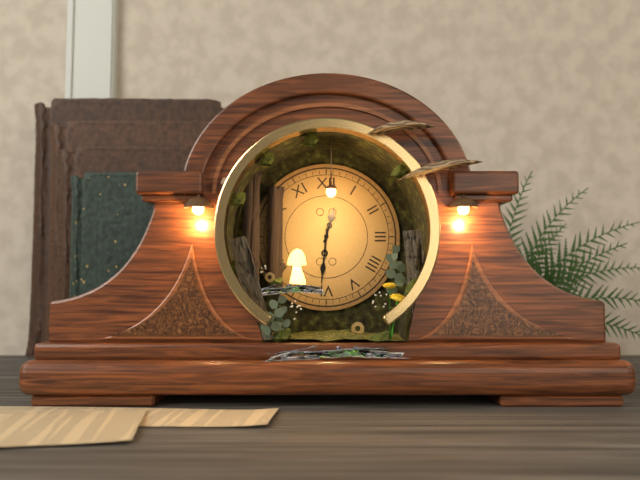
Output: {"hour": 12, "minute": 31}
